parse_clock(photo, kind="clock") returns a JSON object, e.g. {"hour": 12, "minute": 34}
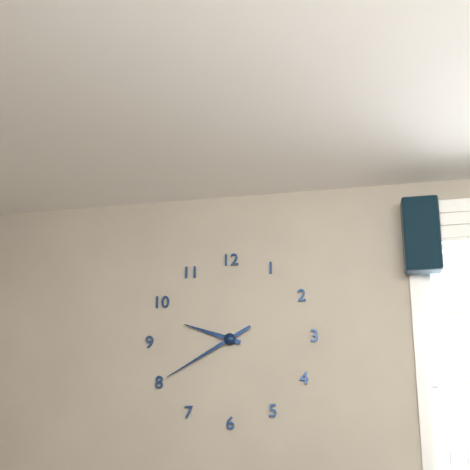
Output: {"hour": 9, "minute": 40}
